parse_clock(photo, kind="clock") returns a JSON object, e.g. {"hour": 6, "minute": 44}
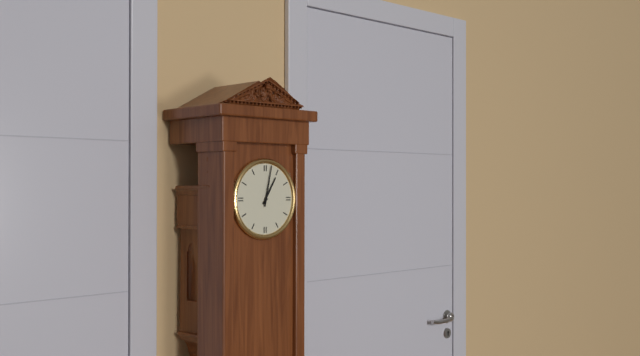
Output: {"hour": 1, "minute": 2}
